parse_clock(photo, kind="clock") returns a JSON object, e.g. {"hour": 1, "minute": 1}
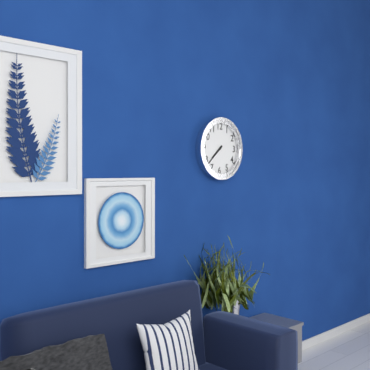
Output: {"hour": 7, "minute": 38}
